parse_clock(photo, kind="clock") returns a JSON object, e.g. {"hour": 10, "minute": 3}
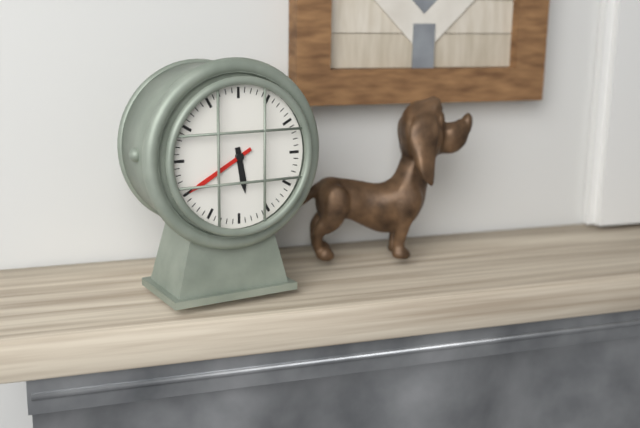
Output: {"hour": 5, "minute": 40}
